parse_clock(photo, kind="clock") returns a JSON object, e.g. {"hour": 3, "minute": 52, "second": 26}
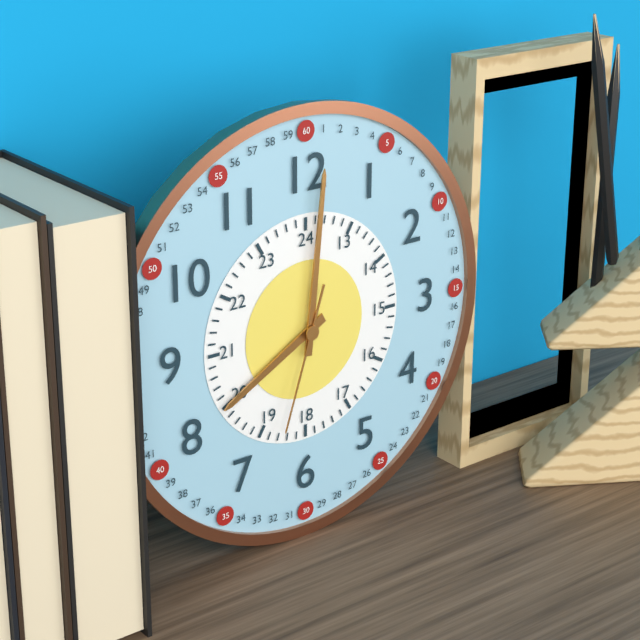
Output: {"hour": 8, "minute": 1, "second": 33}
